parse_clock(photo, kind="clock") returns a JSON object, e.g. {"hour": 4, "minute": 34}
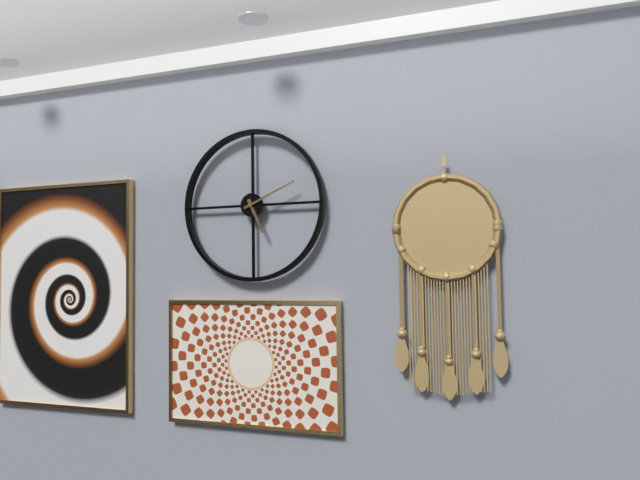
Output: {"hour": 5, "minute": 11}
